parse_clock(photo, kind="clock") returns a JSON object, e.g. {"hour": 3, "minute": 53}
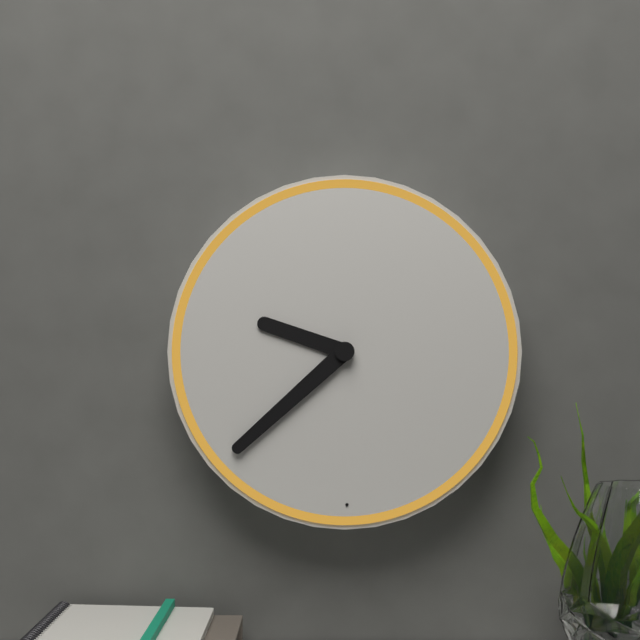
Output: {"hour": 9, "minute": 38}
